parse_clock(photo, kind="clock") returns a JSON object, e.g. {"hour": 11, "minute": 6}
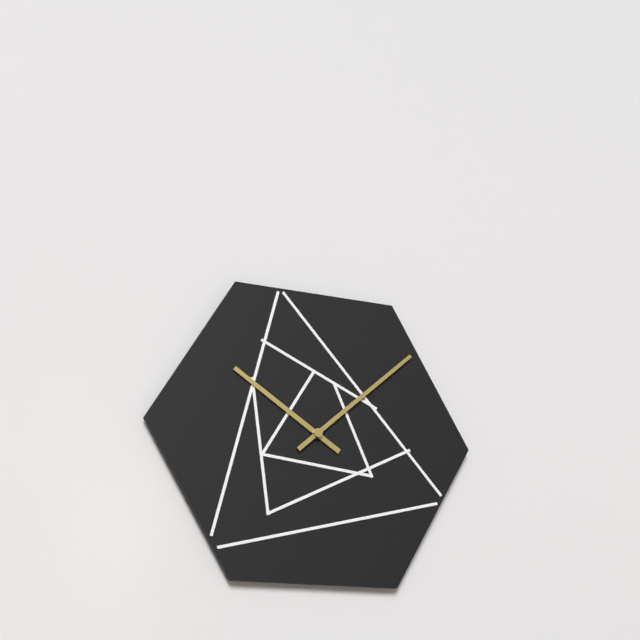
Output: {"hour": 10, "minute": 8}
